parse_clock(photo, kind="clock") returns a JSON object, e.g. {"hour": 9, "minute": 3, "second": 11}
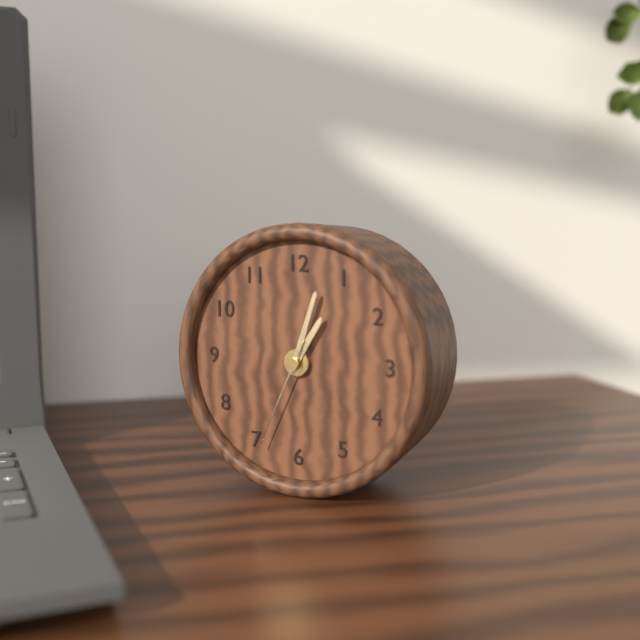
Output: {"hour": 1, "minute": 3, "second": 34}
